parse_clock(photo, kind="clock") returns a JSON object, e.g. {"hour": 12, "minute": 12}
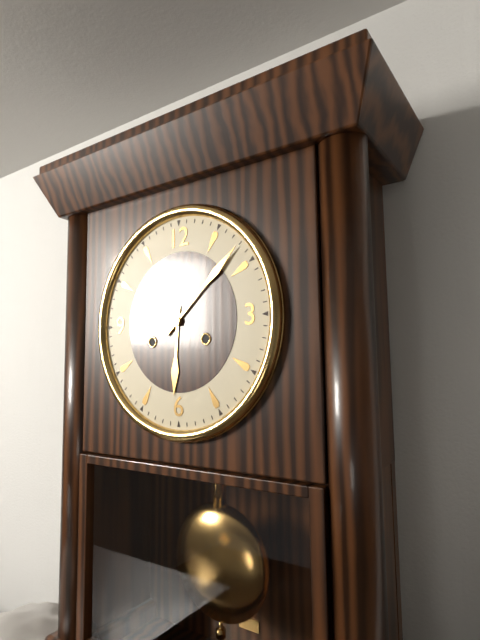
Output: {"hour": 6, "minute": 8}
